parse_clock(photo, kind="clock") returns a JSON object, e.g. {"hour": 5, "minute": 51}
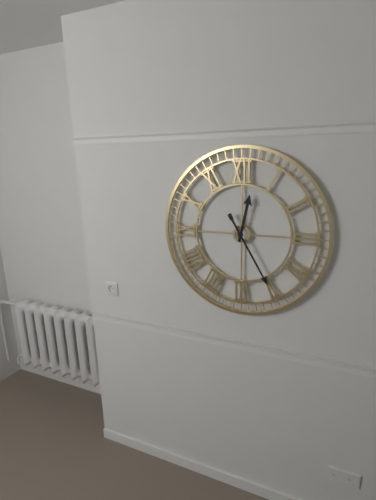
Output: {"hour": 12, "minute": 25}
